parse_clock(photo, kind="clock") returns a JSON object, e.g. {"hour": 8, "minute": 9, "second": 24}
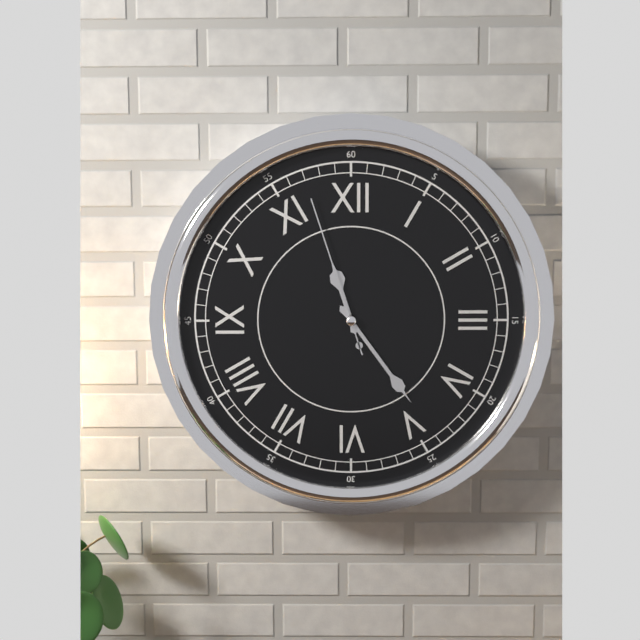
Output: {"hour": 11, "minute": 24, "second": 57}
